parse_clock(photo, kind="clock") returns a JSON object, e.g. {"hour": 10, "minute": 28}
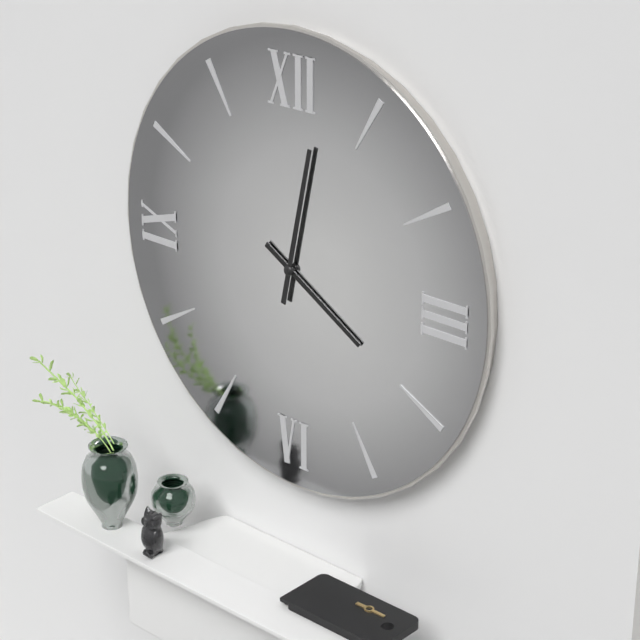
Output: {"hour": 4, "minute": 2}
